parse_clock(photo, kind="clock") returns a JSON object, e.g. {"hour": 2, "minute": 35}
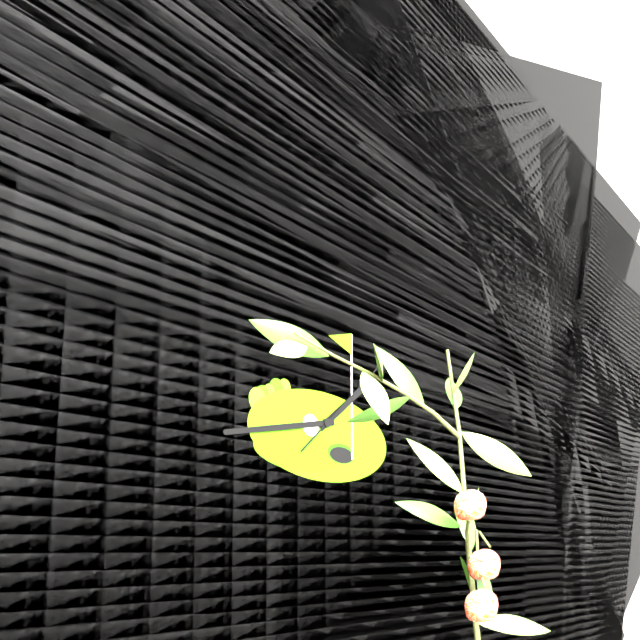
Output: {"hour": 1, "minute": 43}
